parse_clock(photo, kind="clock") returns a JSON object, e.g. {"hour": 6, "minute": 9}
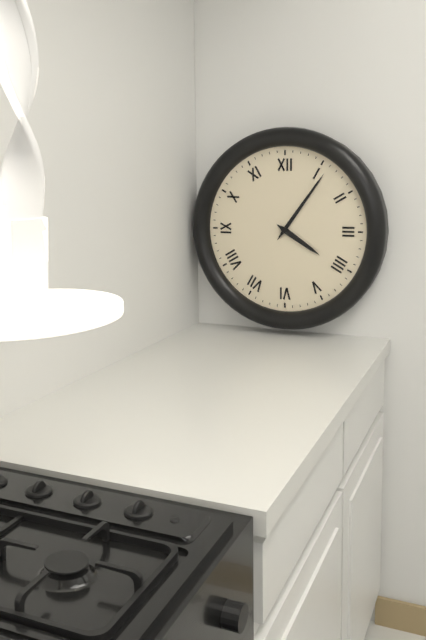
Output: {"hour": 4, "minute": 6}
